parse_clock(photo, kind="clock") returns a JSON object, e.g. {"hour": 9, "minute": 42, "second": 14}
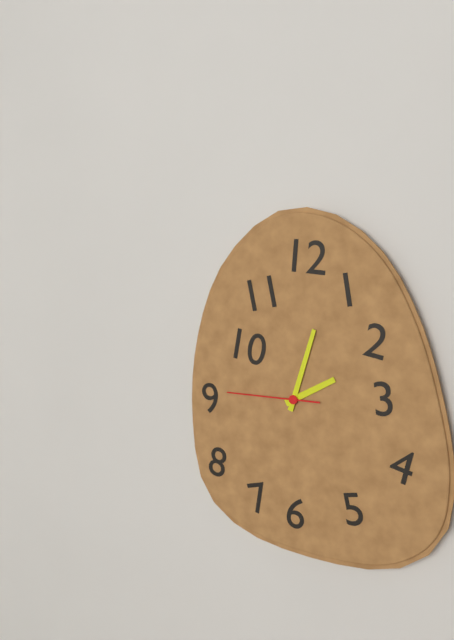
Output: {"hour": 2, "minute": 3, "second": 45}
